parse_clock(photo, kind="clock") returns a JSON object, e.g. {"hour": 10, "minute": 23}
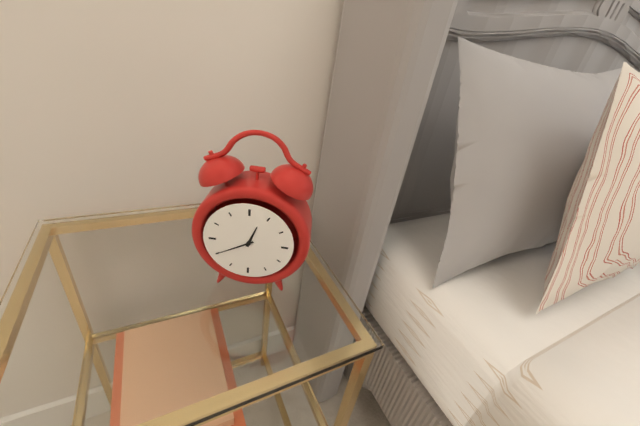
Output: {"hour": 12, "minute": 40}
